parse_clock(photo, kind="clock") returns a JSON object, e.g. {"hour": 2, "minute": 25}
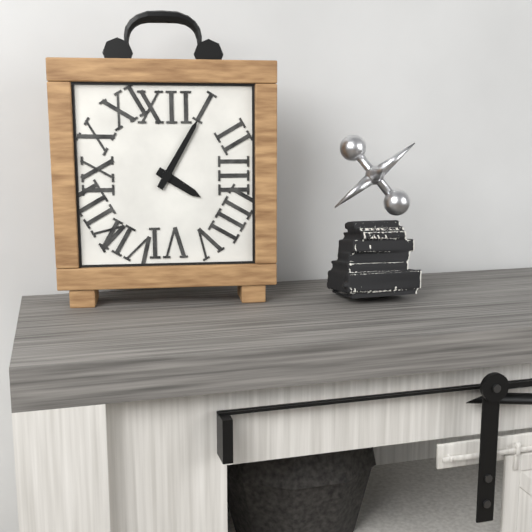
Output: {"hour": 4, "minute": 5}
